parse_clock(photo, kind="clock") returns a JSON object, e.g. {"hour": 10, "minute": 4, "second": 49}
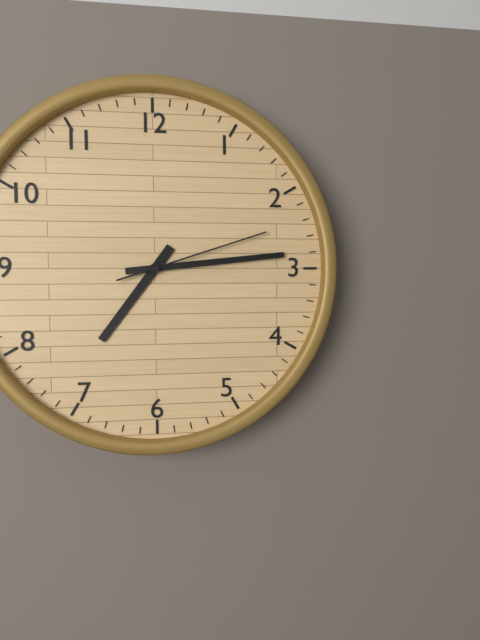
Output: {"hour": 7, "minute": 14, "second": 12}
